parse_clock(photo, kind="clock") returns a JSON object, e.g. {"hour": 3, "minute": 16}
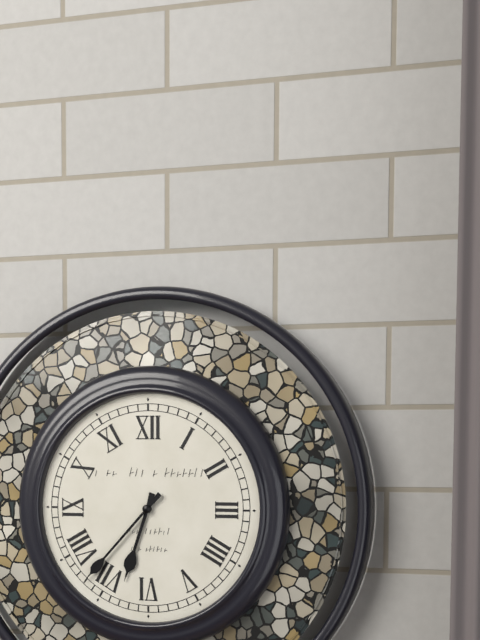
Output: {"hour": 6, "minute": 37}
